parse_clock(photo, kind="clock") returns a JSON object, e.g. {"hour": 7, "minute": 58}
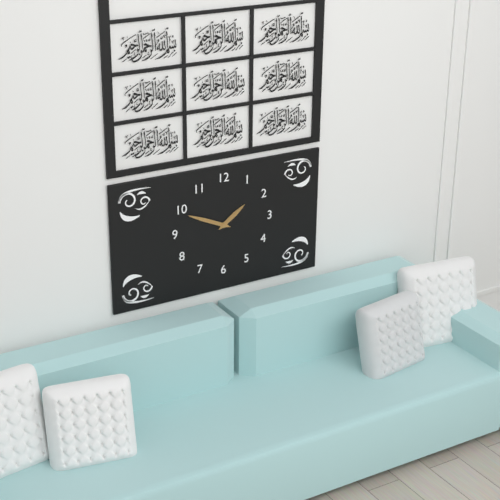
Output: {"hour": 1, "minute": 49}
